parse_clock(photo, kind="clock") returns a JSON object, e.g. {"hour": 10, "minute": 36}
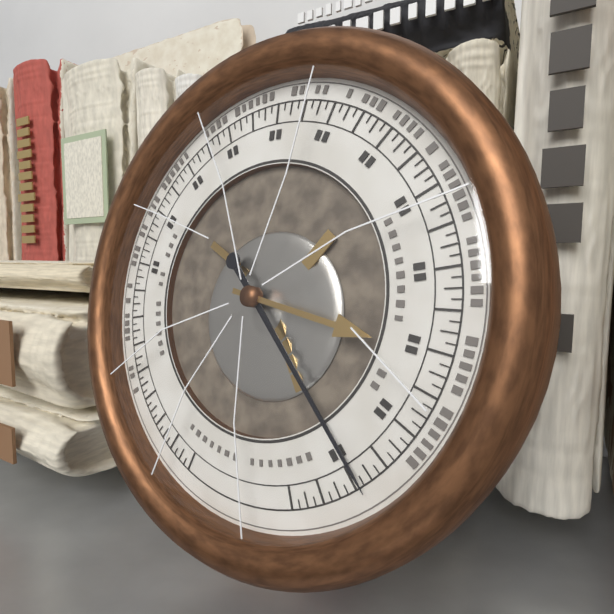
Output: {"hour": 3, "minute": 23}
